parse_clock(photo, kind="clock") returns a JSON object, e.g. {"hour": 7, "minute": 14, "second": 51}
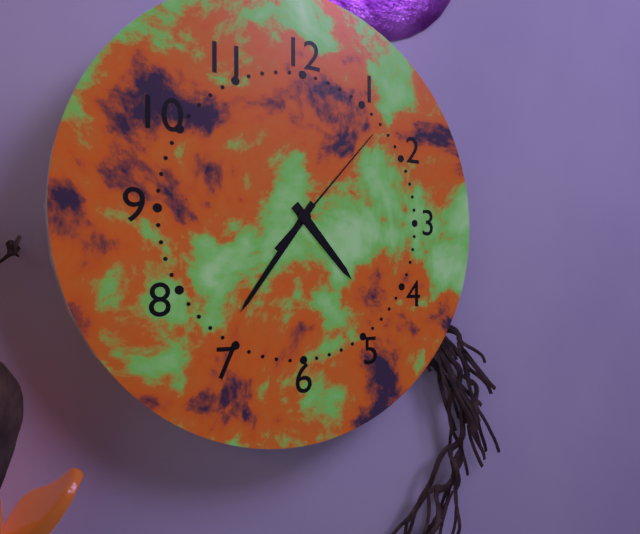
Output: {"hour": 4, "minute": 36, "second": 7}
